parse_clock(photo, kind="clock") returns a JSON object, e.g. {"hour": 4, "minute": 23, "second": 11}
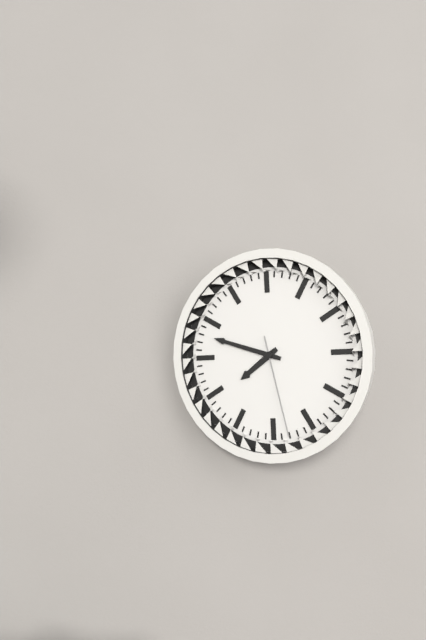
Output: {"hour": 7, "minute": 48, "second": 28}
